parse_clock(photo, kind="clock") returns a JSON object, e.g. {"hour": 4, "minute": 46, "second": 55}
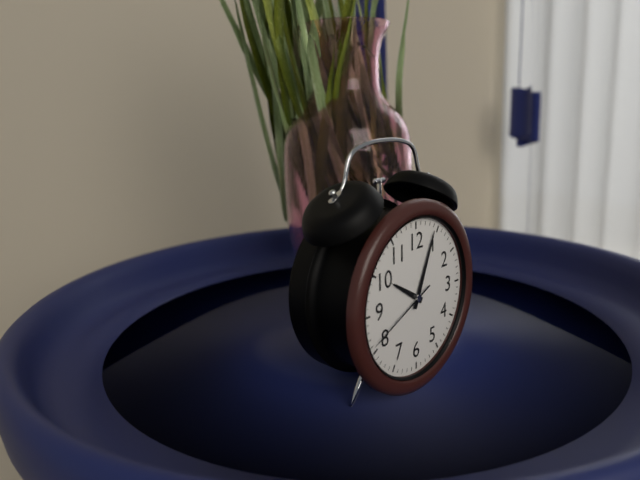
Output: {"hour": 10, "minute": 4, "second": 41}
